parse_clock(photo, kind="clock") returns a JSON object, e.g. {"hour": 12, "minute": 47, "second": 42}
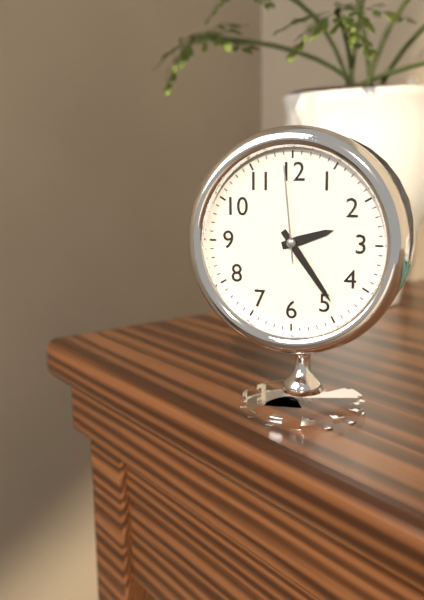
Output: {"hour": 2, "minute": 24, "second": 59}
